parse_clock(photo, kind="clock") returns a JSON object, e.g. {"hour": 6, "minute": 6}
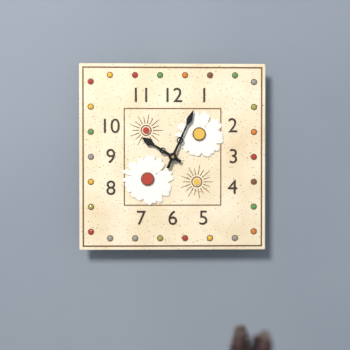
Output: {"hour": 10, "minute": 4}
